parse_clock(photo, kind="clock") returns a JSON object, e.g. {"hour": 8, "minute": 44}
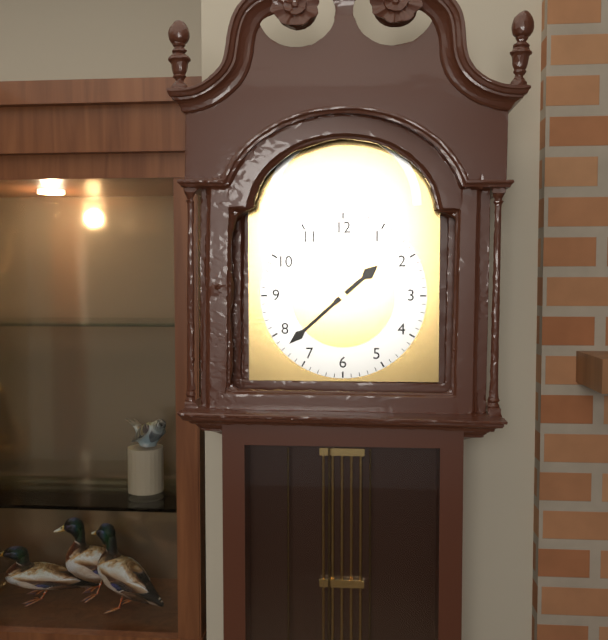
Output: {"hour": 1, "minute": 38}
